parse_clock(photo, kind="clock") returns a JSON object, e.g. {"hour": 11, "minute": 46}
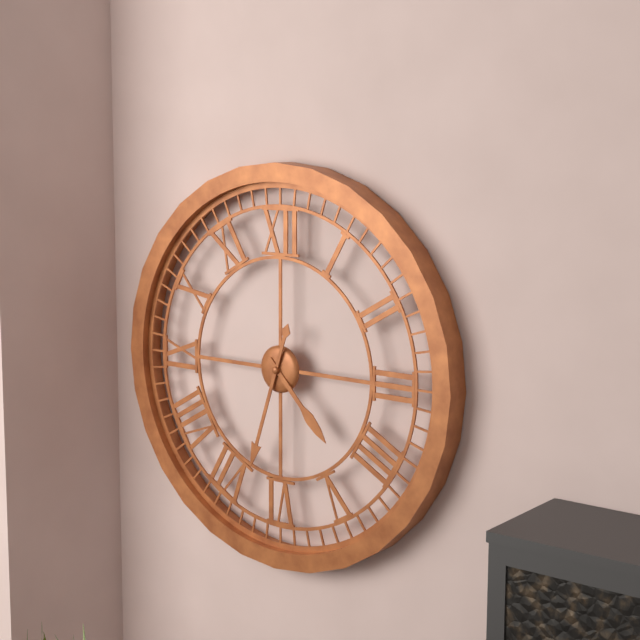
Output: {"hour": 4, "minute": 33}
